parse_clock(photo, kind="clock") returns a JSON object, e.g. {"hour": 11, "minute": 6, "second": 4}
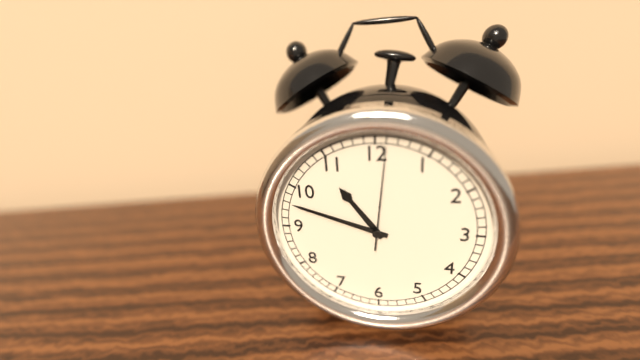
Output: {"hour": 10, "minute": 48, "second": 1}
